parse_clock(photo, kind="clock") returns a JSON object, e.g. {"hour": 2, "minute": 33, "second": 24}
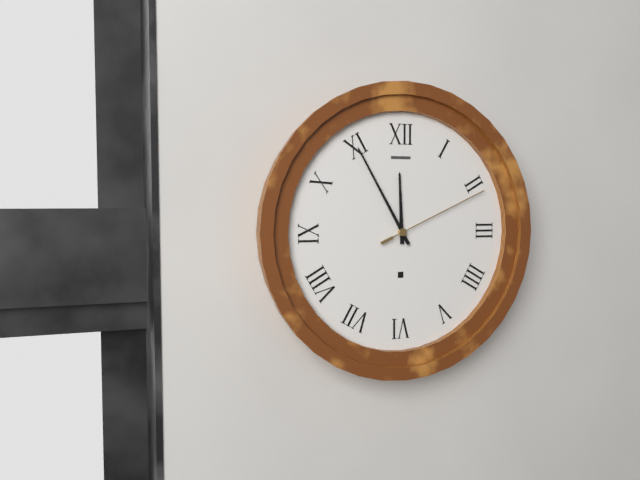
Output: {"hour": 11, "minute": 55, "second": 11}
